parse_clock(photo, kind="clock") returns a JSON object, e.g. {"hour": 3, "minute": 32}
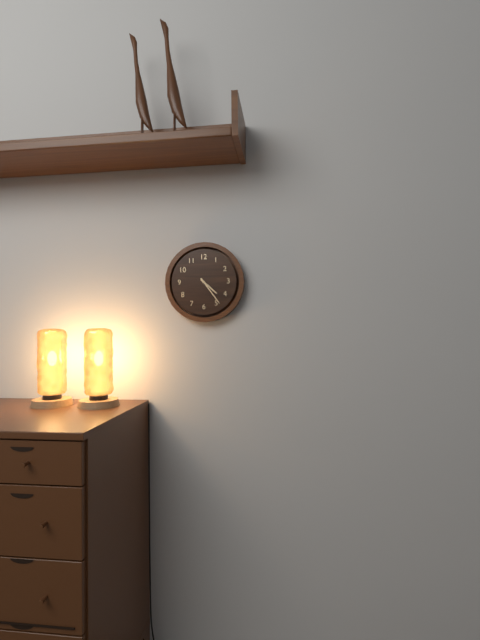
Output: {"hour": 4, "minute": 24}
